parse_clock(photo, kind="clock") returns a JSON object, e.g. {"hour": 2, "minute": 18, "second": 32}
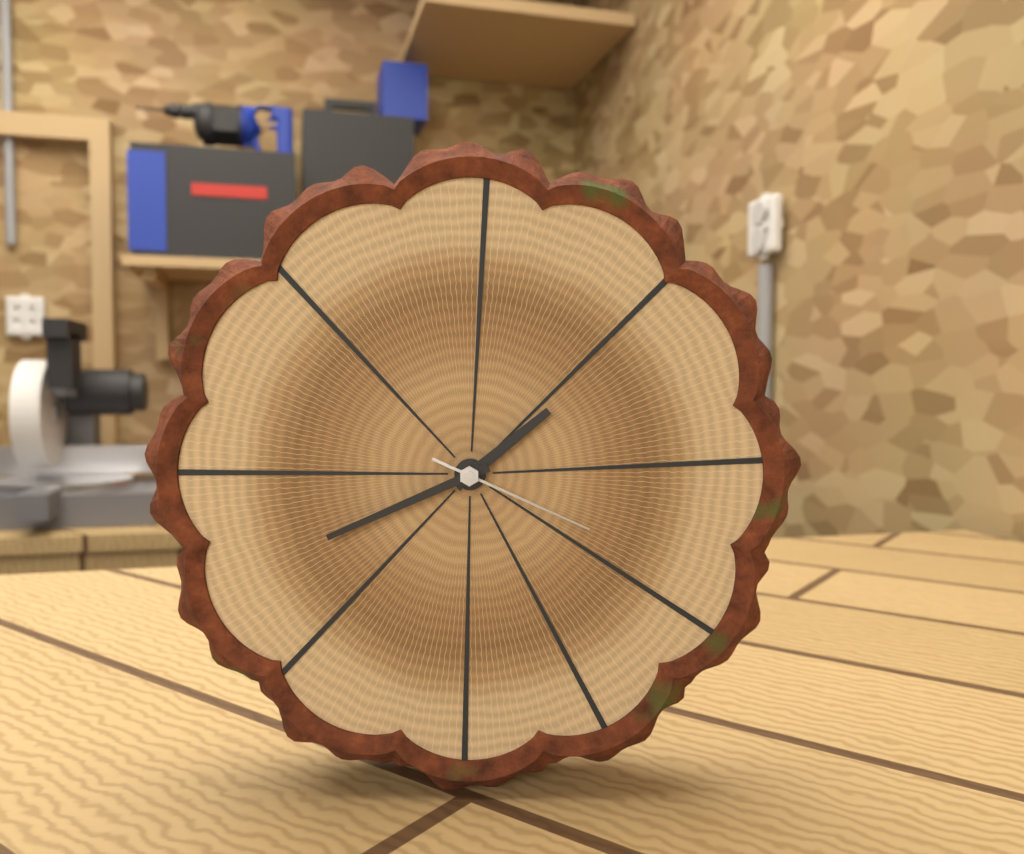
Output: {"hour": 1, "minute": 41, "second": 19}
